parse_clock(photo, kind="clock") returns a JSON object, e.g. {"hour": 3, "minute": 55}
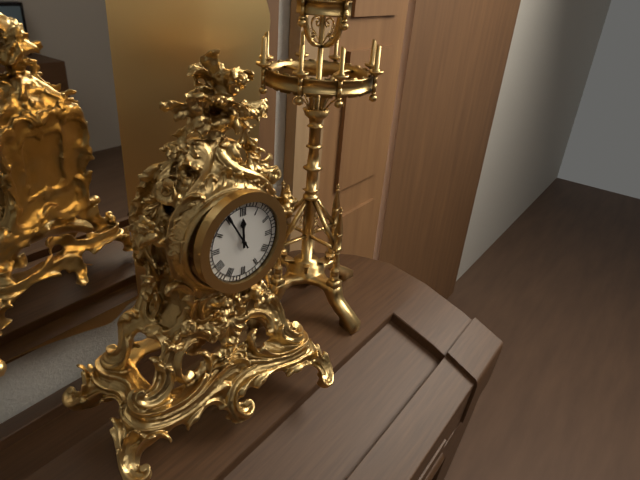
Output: {"hour": 11, "minute": 55}
